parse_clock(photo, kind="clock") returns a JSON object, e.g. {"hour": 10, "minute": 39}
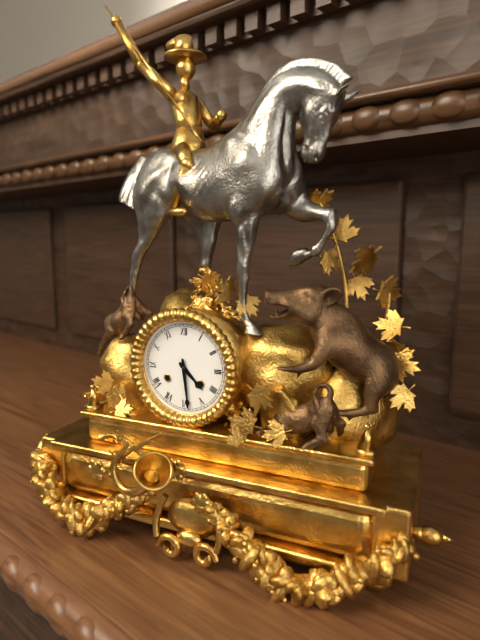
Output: {"hour": 4, "minute": 29}
